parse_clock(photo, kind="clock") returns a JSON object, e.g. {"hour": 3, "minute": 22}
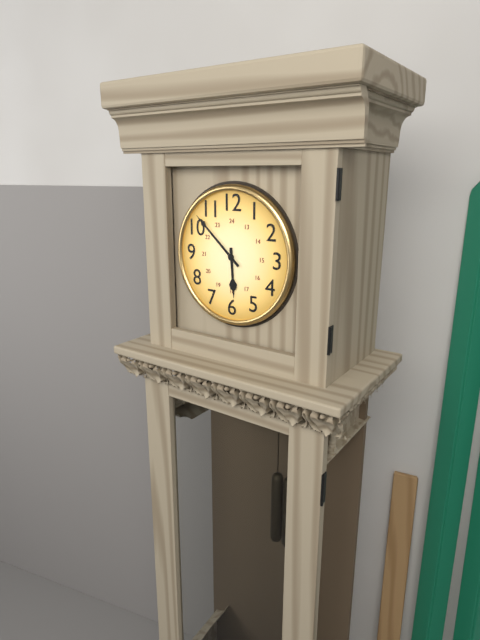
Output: {"hour": 5, "minute": 52}
